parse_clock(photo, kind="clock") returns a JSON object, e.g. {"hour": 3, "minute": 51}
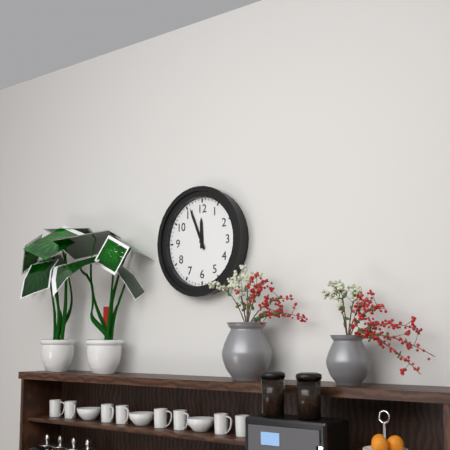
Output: {"hour": 11, "minute": 56}
